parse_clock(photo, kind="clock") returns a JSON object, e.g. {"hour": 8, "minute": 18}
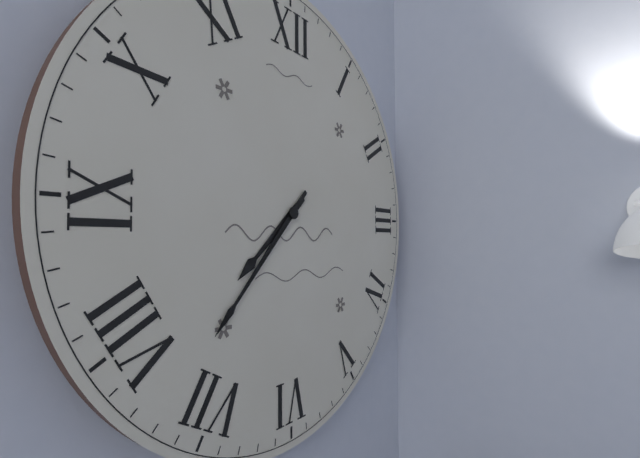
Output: {"hour": 7, "minute": 37}
